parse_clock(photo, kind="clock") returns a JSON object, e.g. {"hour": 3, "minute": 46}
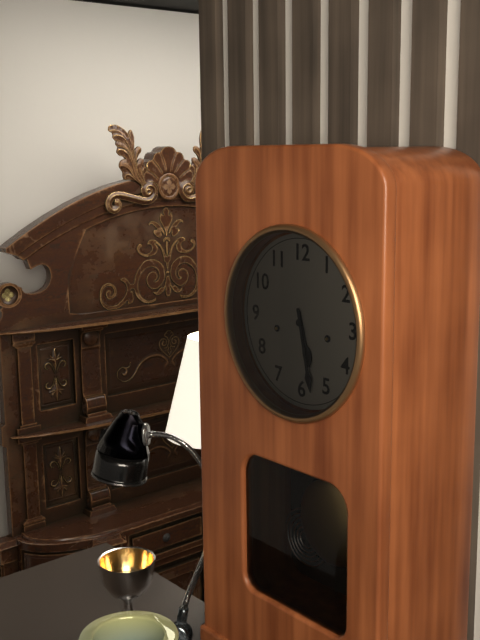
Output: {"hour": 5, "minute": 28}
